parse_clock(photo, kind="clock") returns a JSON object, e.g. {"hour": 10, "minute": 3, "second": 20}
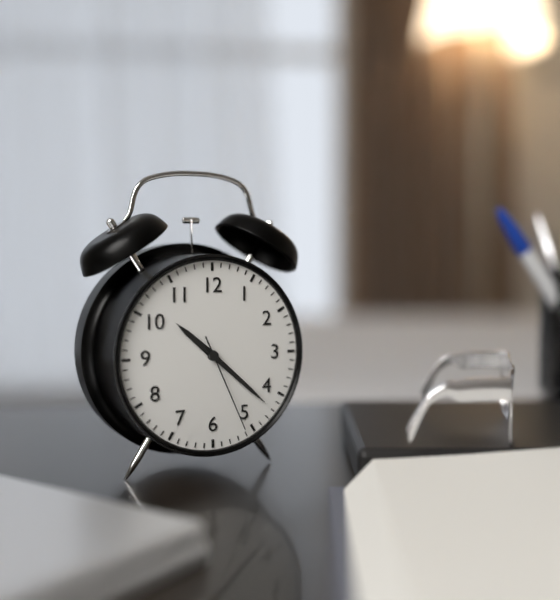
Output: {"hour": 10, "minute": 22, "second": 26}
